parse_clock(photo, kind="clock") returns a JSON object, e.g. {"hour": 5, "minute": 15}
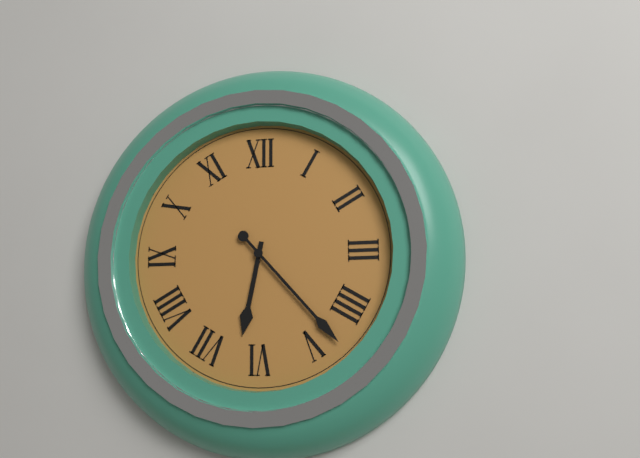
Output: {"hour": 6, "minute": 23}
